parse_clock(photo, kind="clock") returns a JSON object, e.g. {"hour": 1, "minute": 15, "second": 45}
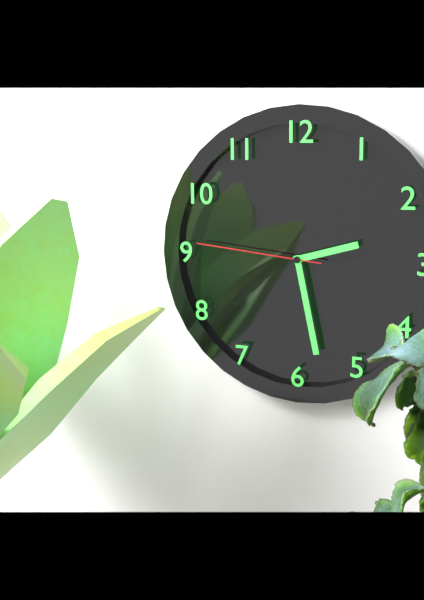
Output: {"hour": 2, "minute": 28, "second": 46}
